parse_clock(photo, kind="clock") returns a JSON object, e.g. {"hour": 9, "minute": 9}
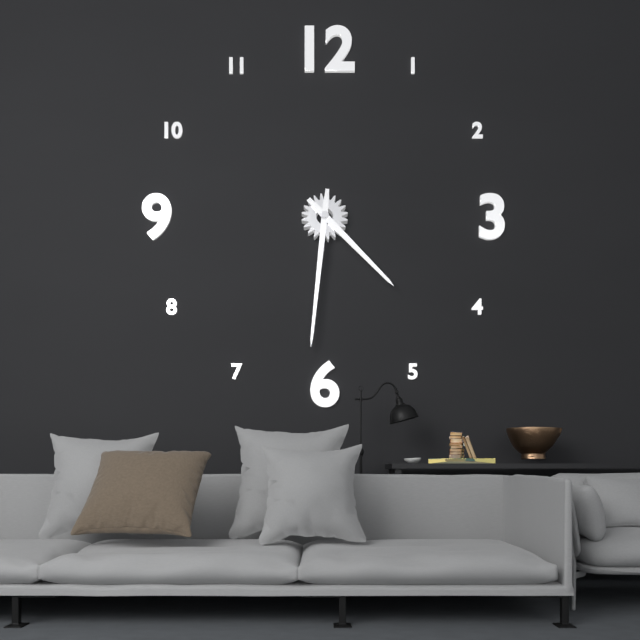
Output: {"hour": 4, "minute": 31}
